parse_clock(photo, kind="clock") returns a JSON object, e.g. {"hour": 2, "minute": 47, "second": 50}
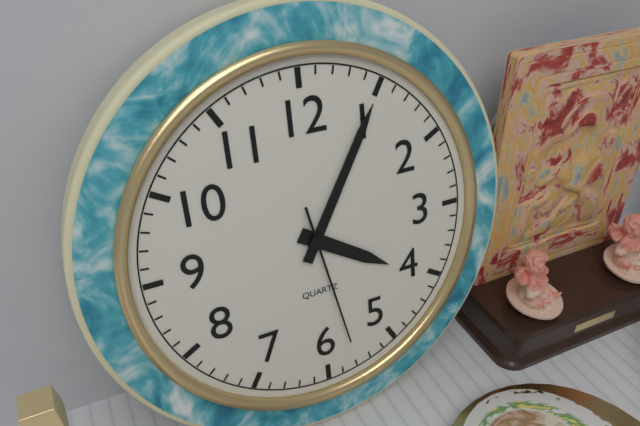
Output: {"hour": 4, "minute": 5, "second": 28}
